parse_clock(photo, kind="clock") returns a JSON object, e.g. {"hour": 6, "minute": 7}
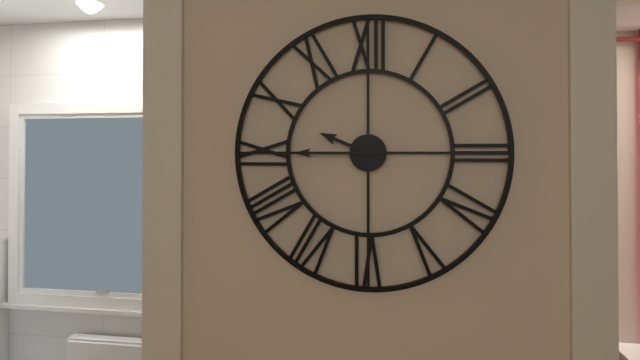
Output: {"hour": 9, "minute": 45}
